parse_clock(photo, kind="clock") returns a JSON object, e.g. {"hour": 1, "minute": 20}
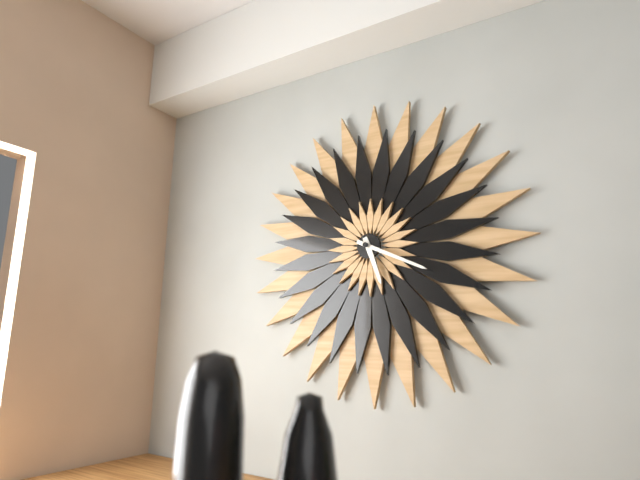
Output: {"hour": 5, "minute": 19}
